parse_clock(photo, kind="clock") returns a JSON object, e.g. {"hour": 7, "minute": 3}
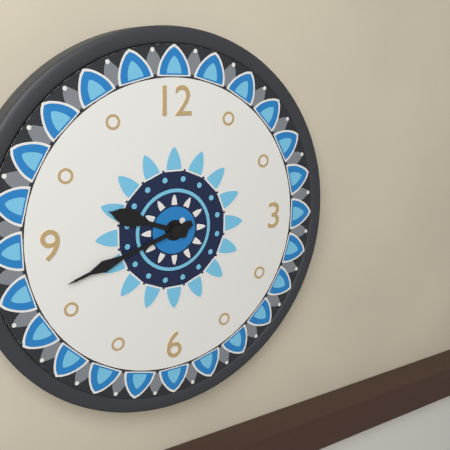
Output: {"hour": 9, "minute": 42}
